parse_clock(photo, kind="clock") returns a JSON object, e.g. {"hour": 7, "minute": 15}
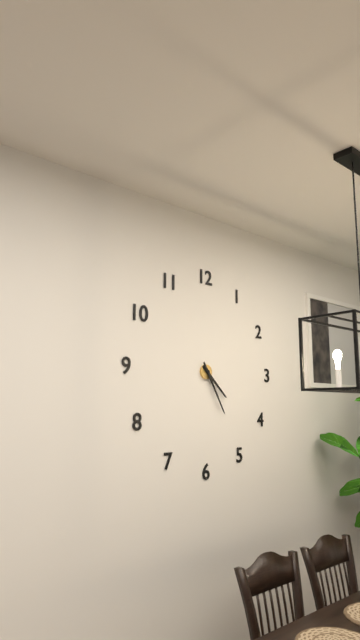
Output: {"hour": 4, "minute": 25}
